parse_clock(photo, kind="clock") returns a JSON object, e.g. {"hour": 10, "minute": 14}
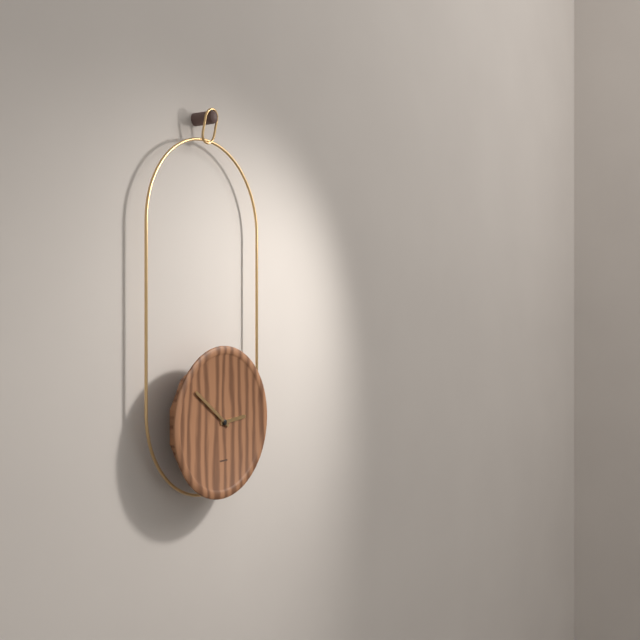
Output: {"hour": 2, "minute": 51}
